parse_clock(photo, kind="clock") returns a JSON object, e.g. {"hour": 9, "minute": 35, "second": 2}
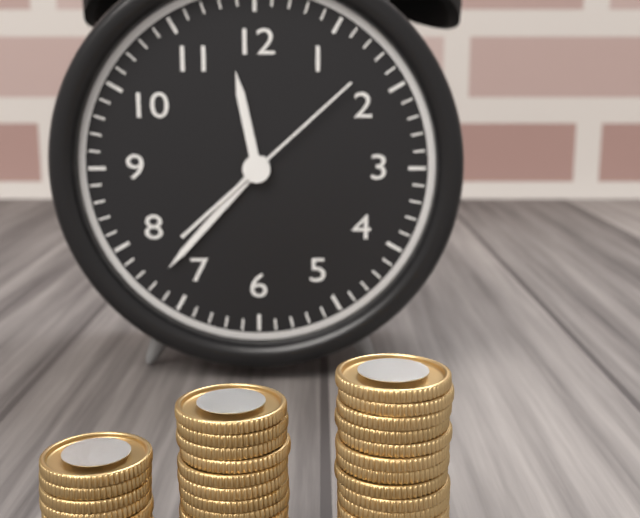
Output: {"hour": 11, "minute": 37, "second": 8}
